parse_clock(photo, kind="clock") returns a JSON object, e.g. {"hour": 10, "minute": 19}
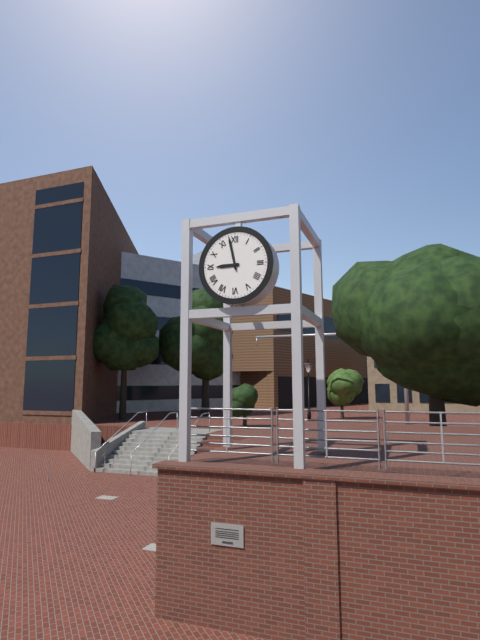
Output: {"hour": 8, "minute": 58}
